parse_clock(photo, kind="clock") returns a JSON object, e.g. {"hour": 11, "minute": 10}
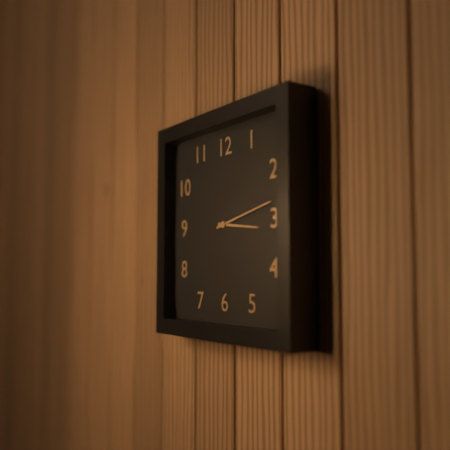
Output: {"hour": 3, "minute": 13}
